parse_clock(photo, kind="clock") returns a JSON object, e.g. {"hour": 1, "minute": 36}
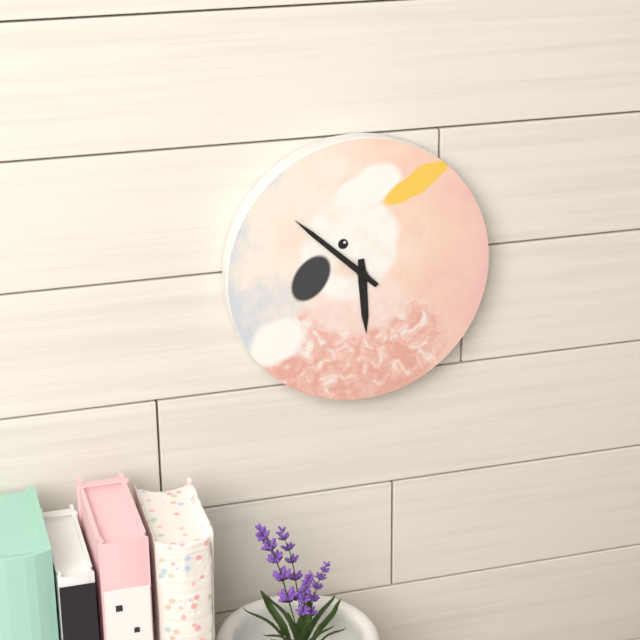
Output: {"hour": 5, "minute": 52}
